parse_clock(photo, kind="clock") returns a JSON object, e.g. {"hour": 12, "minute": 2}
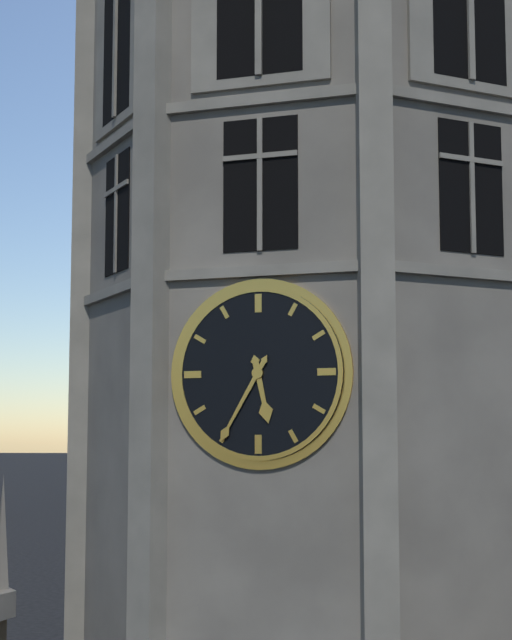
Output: {"hour": 5, "minute": 35}
